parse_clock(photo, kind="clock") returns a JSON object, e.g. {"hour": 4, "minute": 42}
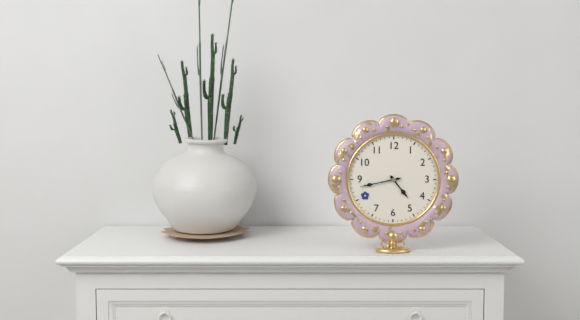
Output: {"hour": 4, "minute": 43}
